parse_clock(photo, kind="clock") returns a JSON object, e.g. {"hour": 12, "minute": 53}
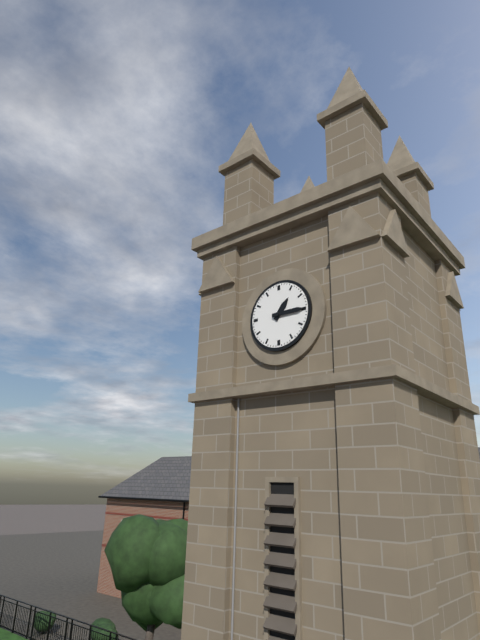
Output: {"hour": 1, "minute": 15}
